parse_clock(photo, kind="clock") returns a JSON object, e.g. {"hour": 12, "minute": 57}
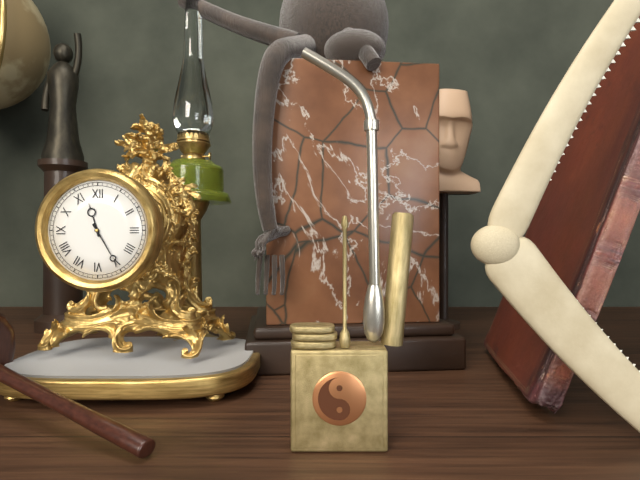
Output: {"hour": 11, "minute": 25}
